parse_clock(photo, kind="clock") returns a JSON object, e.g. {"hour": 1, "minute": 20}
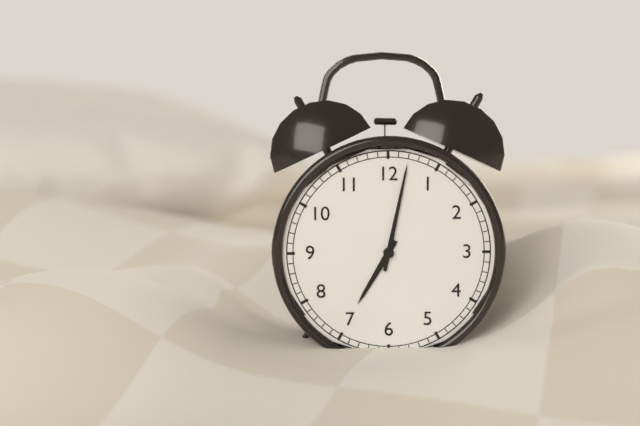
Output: {"hour": 7, "minute": 2}
